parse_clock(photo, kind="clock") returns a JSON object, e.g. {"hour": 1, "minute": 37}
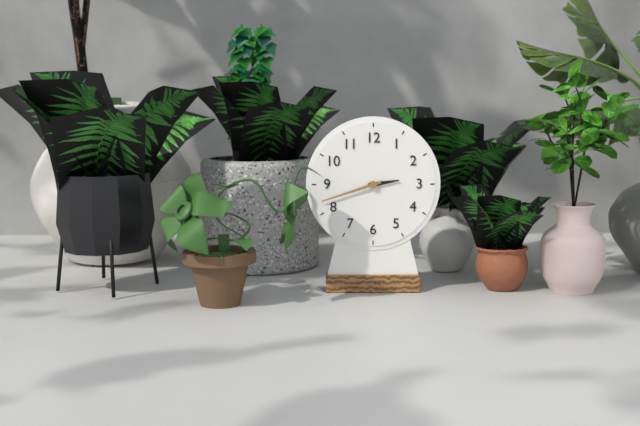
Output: {"hour": 2, "minute": 42}
